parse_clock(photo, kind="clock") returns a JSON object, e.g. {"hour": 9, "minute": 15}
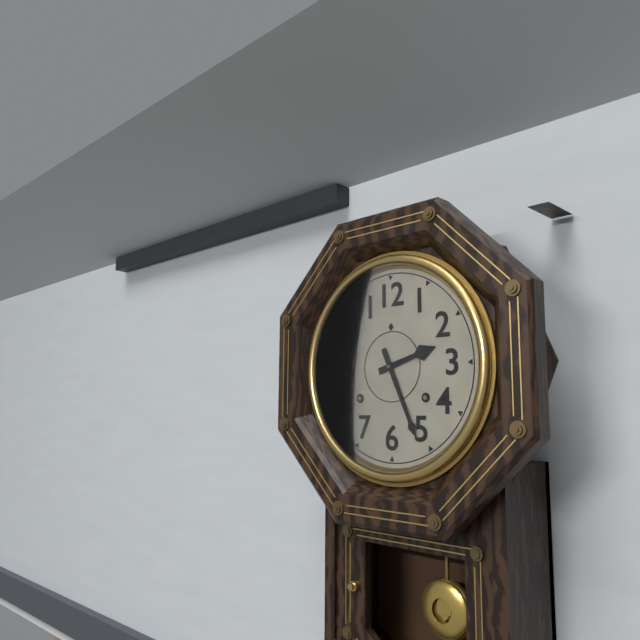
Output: {"hour": 2, "minute": 26}
